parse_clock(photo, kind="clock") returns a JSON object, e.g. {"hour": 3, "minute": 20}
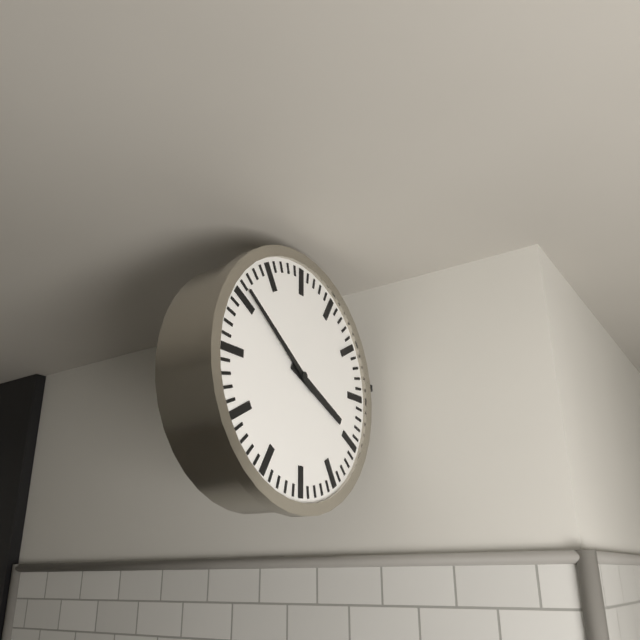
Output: {"hour": 3, "minute": 51}
